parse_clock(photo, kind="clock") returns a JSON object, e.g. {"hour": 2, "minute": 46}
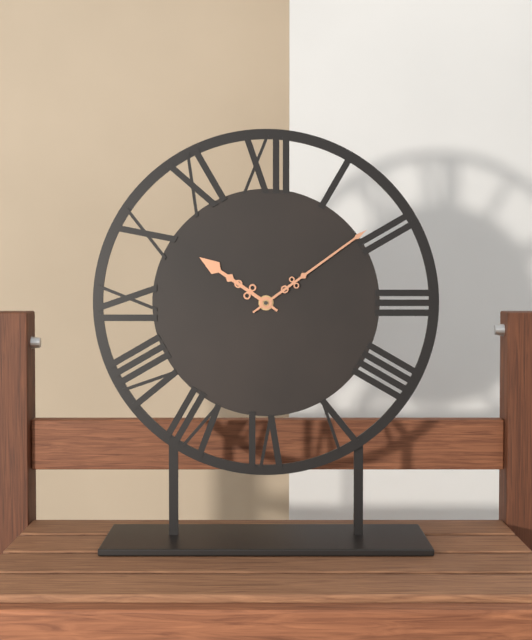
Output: {"hour": 10, "minute": 9}
